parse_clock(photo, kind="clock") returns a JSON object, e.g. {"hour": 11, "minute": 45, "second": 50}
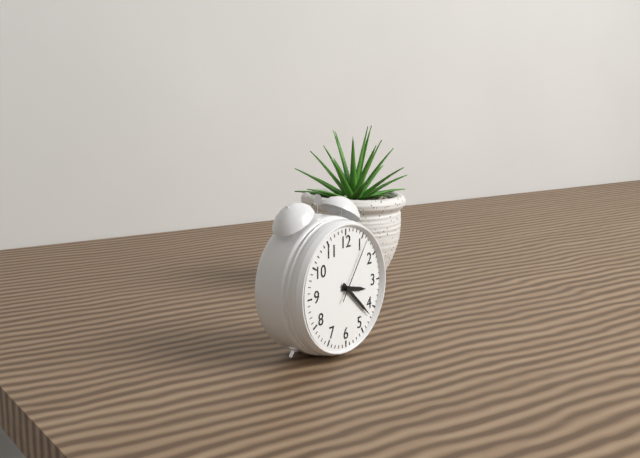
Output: {"hour": 3, "minute": 22, "second": 6}
